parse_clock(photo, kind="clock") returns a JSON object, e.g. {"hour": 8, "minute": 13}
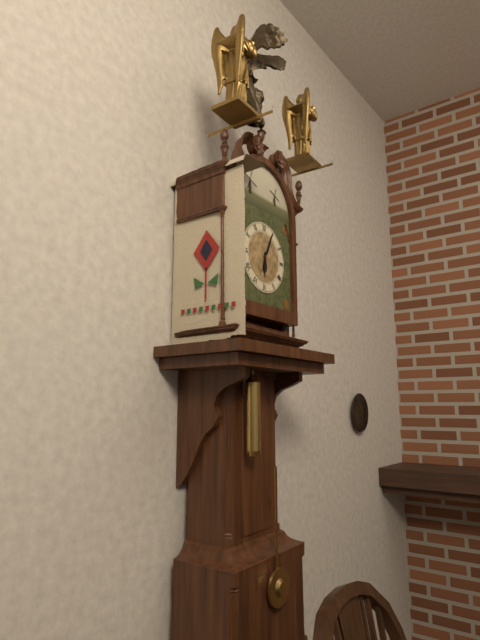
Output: {"hour": 6, "minute": 4}
